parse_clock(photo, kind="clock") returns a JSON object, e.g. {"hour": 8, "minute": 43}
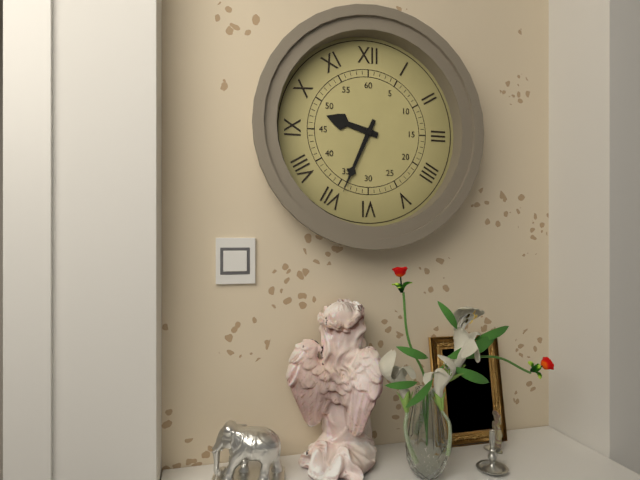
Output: {"hour": 9, "minute": 34}
